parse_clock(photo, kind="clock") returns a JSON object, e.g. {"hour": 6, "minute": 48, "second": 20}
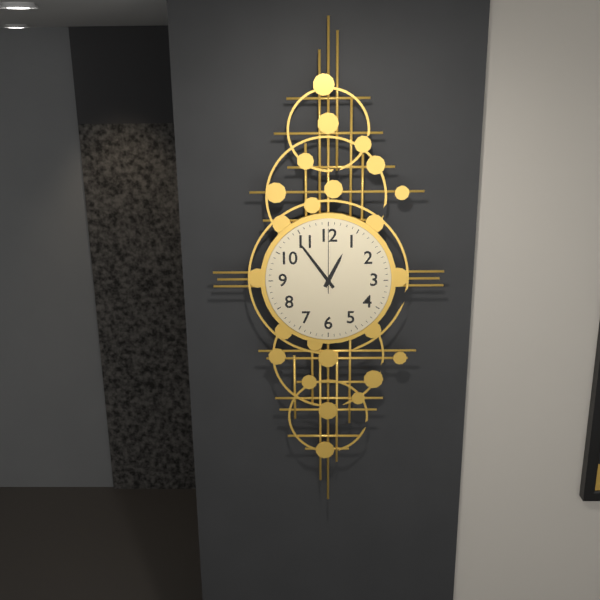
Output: {"hour": 12, "minute": 54, "second": 0}
